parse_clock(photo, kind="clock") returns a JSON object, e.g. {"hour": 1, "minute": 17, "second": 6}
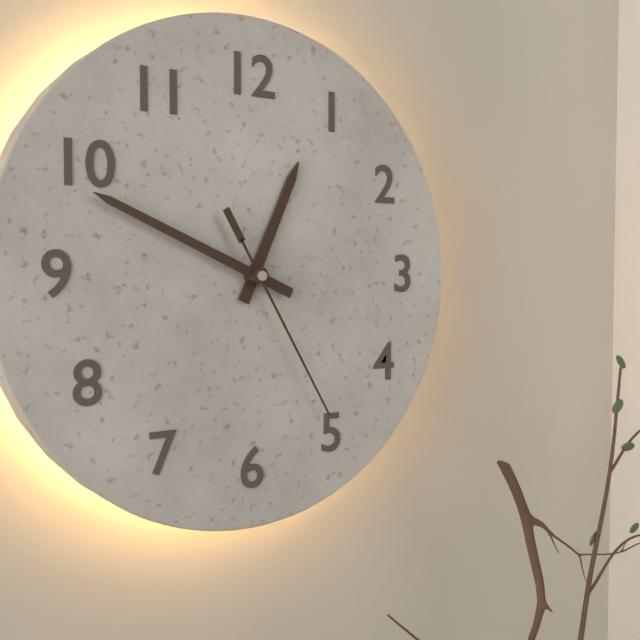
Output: {"hour": 12, "minute": 49, "second": 25}
